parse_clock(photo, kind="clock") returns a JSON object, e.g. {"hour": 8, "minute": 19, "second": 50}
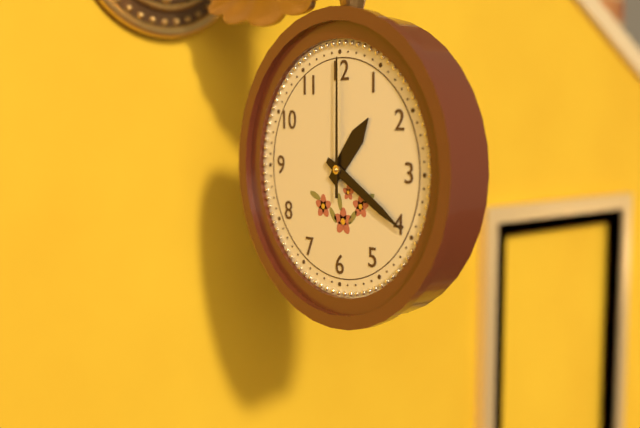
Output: {"hour": 1, "minute": 20, "second": 0}
